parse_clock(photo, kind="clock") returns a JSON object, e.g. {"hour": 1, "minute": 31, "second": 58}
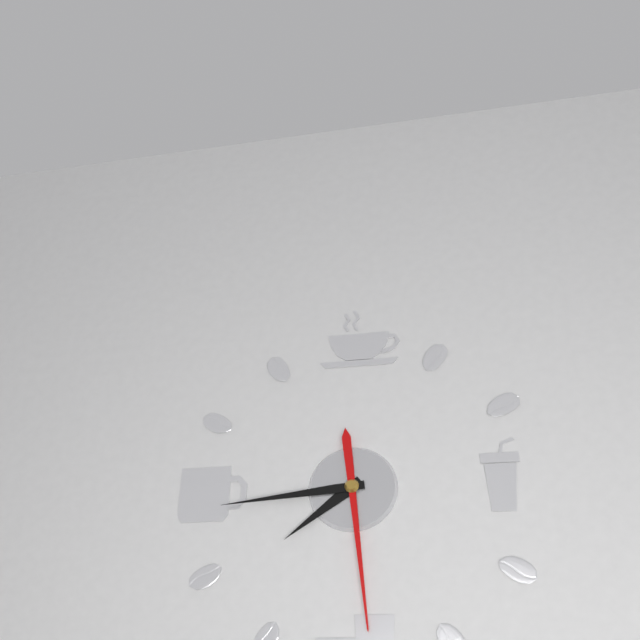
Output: {"hour": 7, "minute": 44, "second": 29}
